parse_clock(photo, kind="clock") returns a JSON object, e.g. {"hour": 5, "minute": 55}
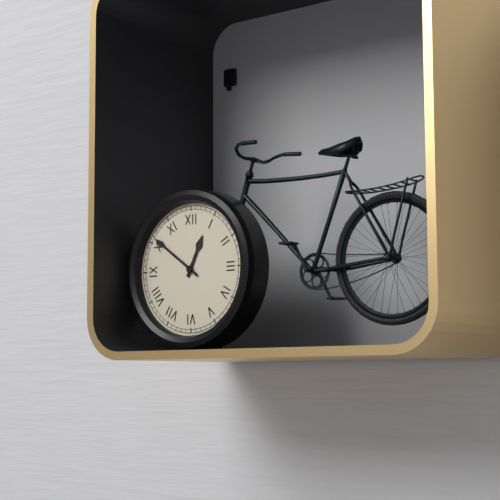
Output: {"hour": 12, "minute": 51}
